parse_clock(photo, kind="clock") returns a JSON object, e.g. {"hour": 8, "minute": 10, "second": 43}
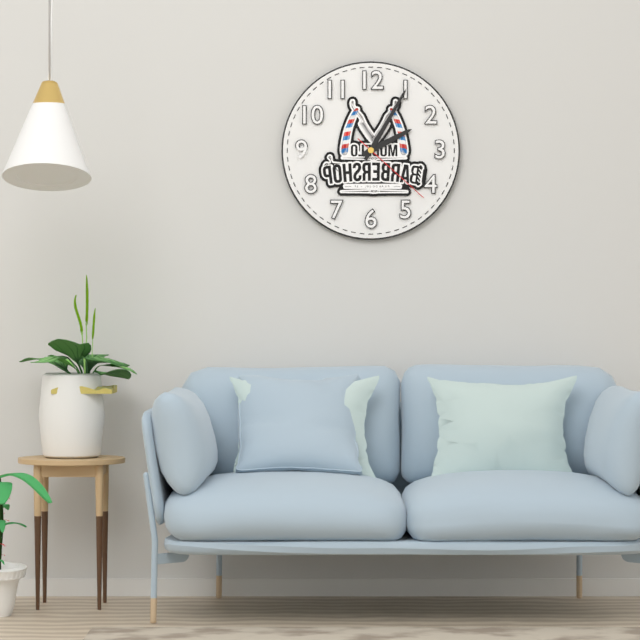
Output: {"hour": 2, "minute": 5, "second": 22}
